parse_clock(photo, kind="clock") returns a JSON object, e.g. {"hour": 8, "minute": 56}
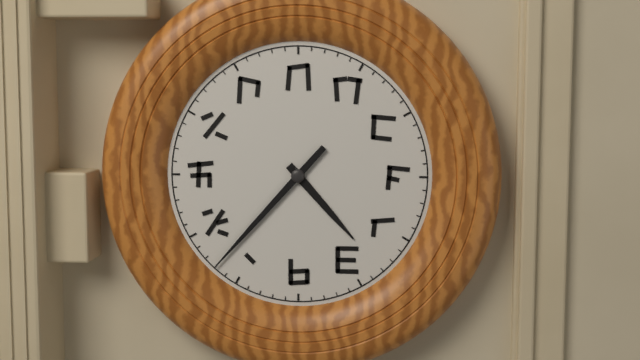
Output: {"hour": 4, "minute": 37}
